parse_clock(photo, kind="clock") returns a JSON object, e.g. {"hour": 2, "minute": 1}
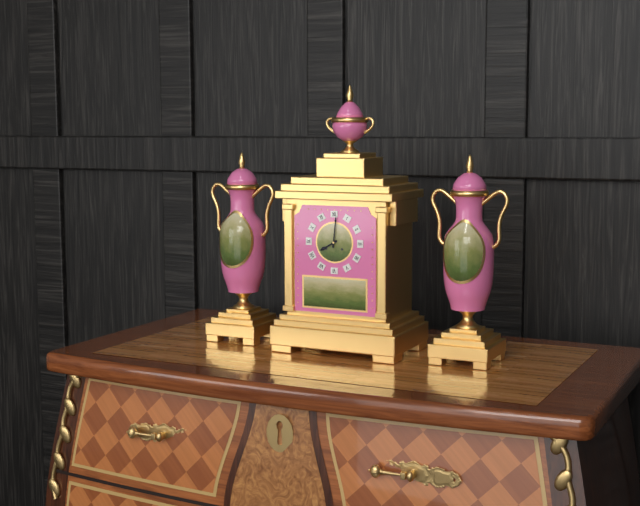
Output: {"hour": 8, "minute": 1}
